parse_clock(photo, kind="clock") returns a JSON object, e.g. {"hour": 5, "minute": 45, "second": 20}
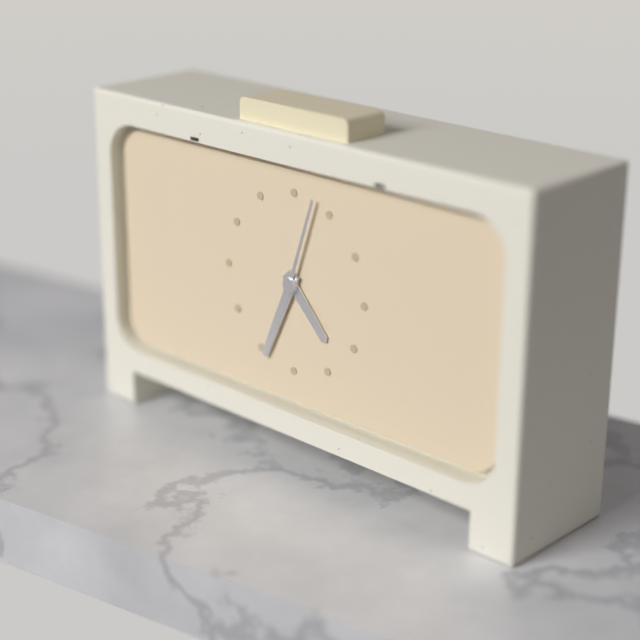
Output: {"hour": 4, "minute": 34, "second": 3}
